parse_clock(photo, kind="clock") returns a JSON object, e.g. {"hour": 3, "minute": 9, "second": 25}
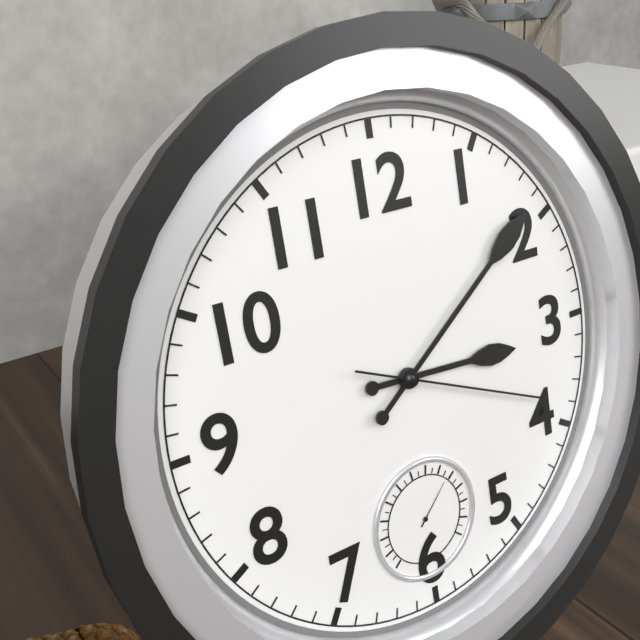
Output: {"hour": 3, "minute": 9, "second": 19}
